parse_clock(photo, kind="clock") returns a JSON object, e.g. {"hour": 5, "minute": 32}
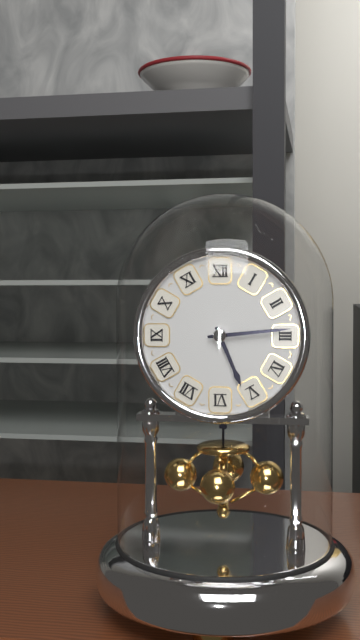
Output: {"hour": 5, "minute": 14}
